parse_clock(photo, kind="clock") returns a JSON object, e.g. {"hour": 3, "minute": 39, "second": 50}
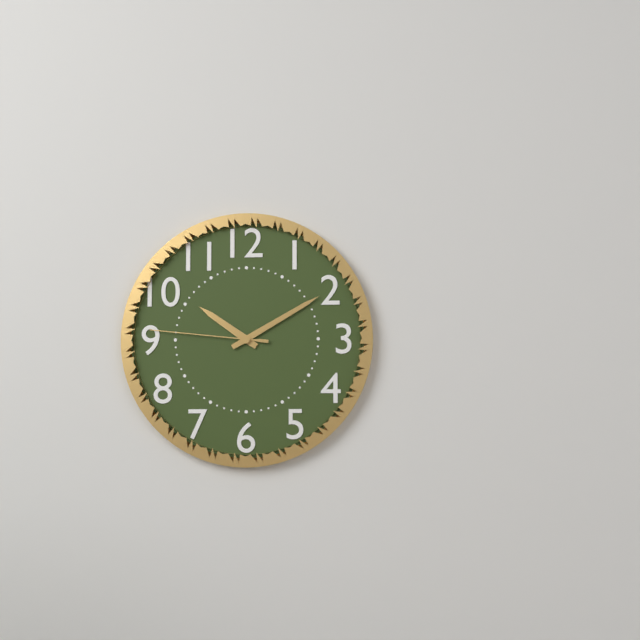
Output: {"hour": 10, "minute": 10, "second": 46}
